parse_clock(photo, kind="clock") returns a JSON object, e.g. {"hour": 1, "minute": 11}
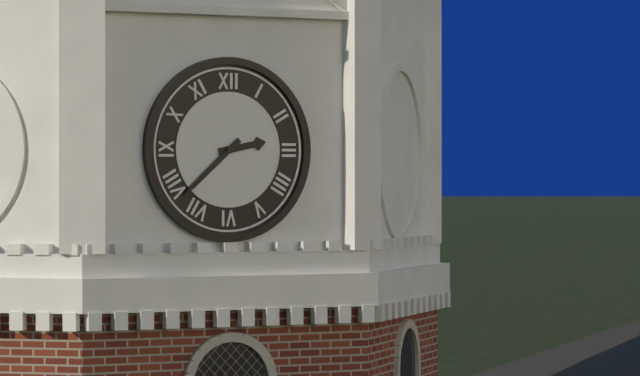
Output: {"hour": 2, "minute": 38}
